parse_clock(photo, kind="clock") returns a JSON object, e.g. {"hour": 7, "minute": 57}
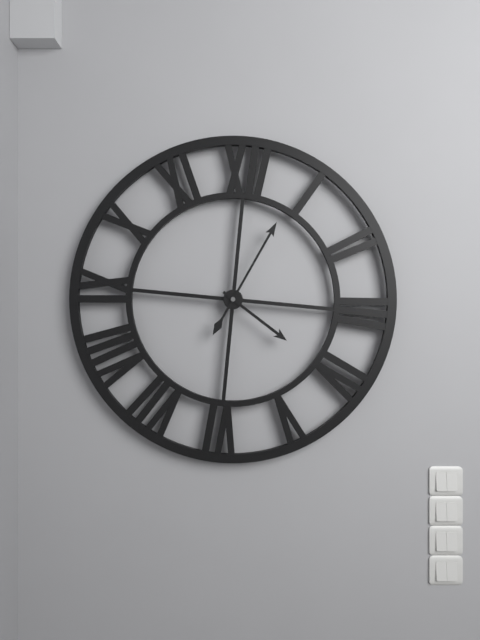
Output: {"hour": 4, "minute": 4}
